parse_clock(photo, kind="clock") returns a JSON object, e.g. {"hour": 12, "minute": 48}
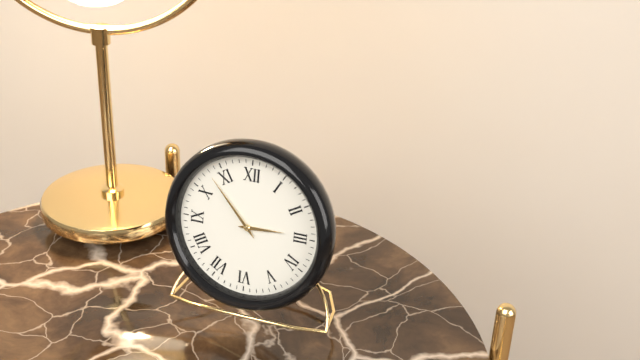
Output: {"hour": 2, "minute": 53}
